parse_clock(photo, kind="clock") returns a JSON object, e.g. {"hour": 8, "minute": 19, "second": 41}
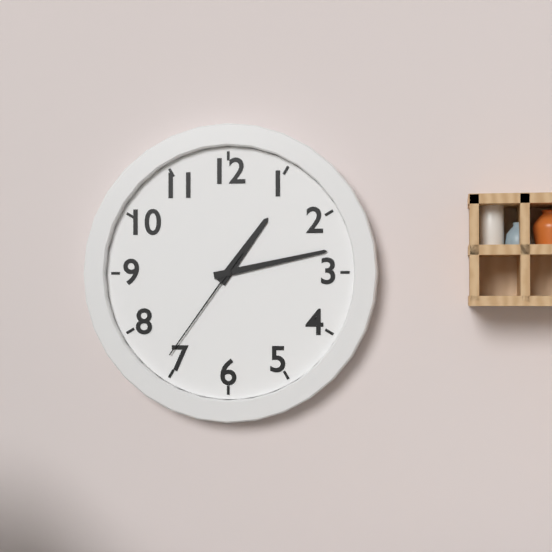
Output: {"hour": 1, "minute": 13, "second": 36}
